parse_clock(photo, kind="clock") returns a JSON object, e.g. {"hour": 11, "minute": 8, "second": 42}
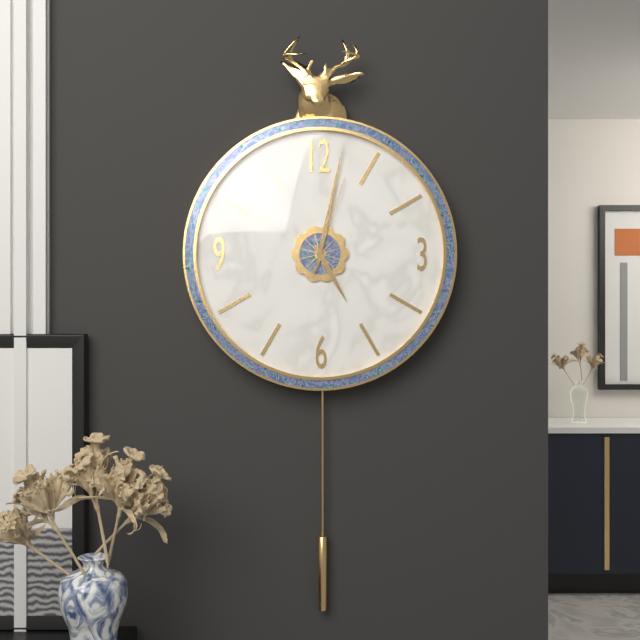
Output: {"hour": 5, "minute": 2, "second": 3}
